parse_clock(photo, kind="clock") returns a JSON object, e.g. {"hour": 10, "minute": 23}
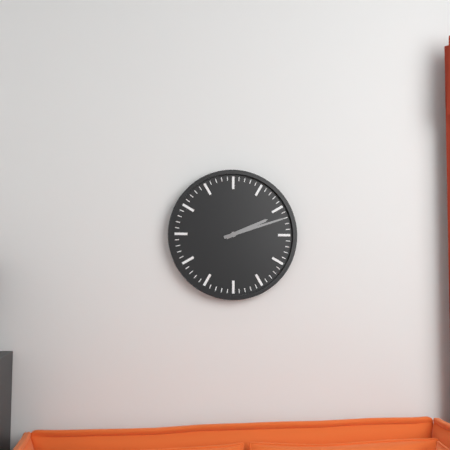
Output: {"hour": 2, "minute": 12}
